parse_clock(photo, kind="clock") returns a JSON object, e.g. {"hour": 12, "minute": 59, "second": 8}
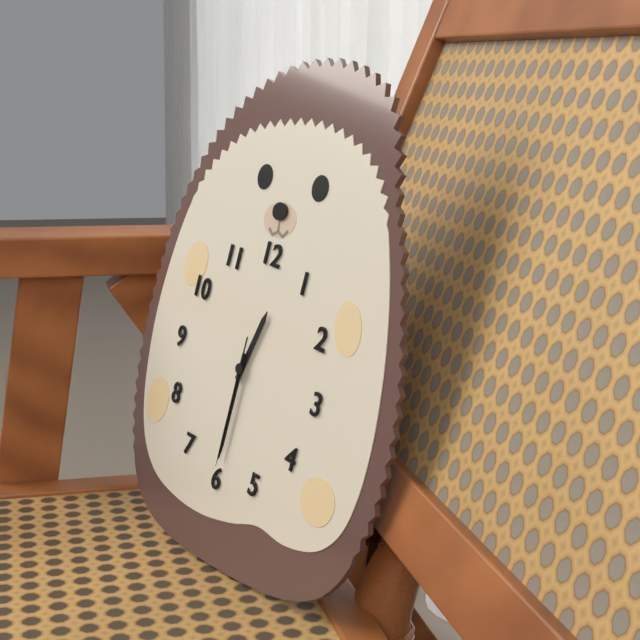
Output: {"hour": 12, "minute": 30, "second": 30}
